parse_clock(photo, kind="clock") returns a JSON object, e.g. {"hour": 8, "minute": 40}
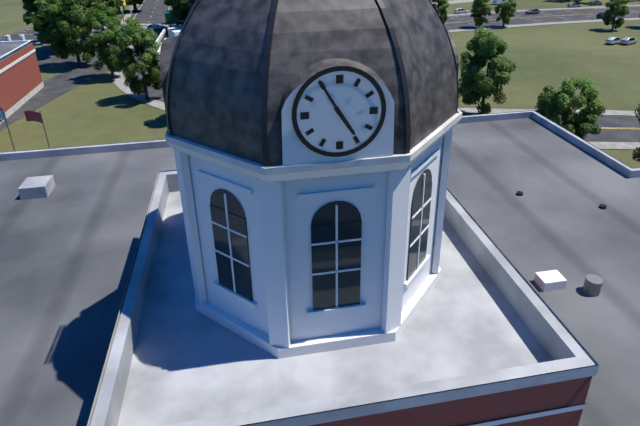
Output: {"hour": 4, "minute": 55}
